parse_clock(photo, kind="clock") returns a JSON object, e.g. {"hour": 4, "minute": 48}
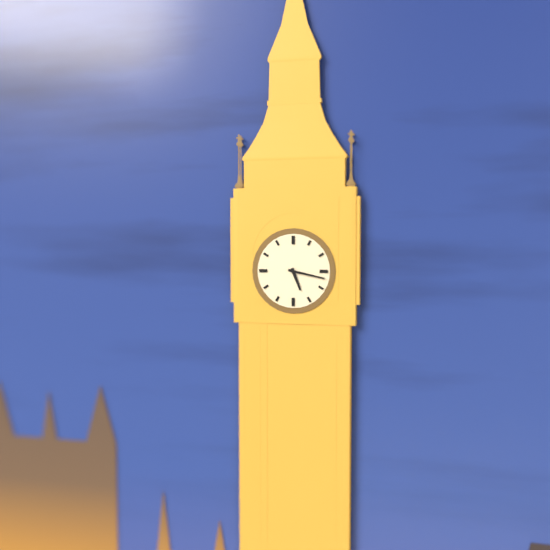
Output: {"hour": 5, "minute": 17}
